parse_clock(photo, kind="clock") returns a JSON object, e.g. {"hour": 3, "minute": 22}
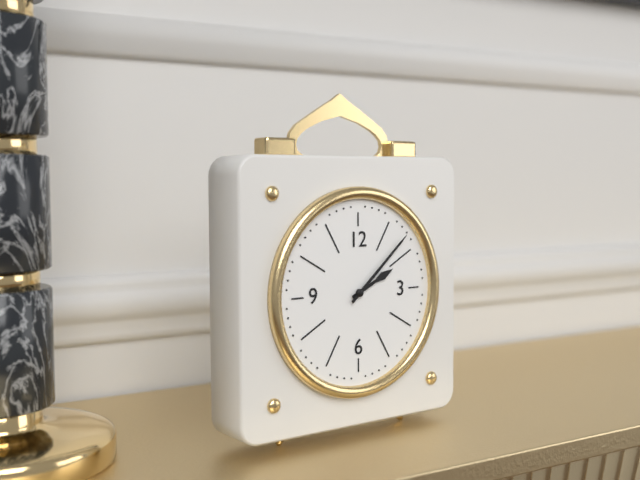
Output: {"hour": 2, "minute": 8}
